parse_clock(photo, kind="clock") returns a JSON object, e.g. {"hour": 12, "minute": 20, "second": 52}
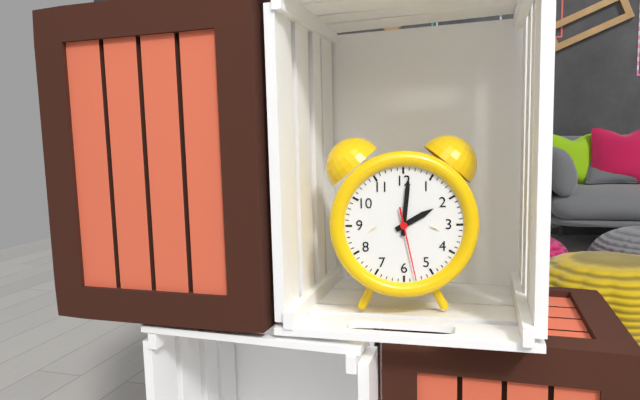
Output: {"hour": 2, "minute": 1, "second": 28}
